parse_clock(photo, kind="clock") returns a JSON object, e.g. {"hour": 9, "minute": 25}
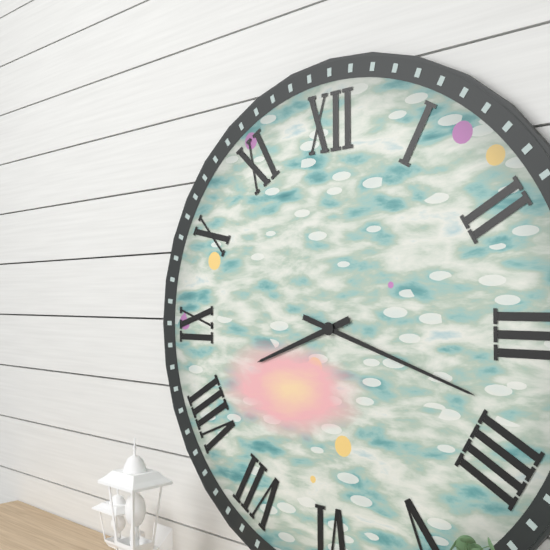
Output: {"hour": 8, "minute": 18}
